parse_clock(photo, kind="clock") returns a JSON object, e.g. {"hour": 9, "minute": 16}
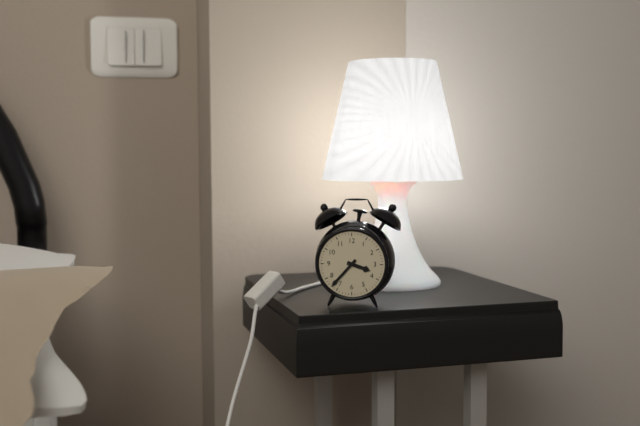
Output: {"hour": 3, "minute": 37}
